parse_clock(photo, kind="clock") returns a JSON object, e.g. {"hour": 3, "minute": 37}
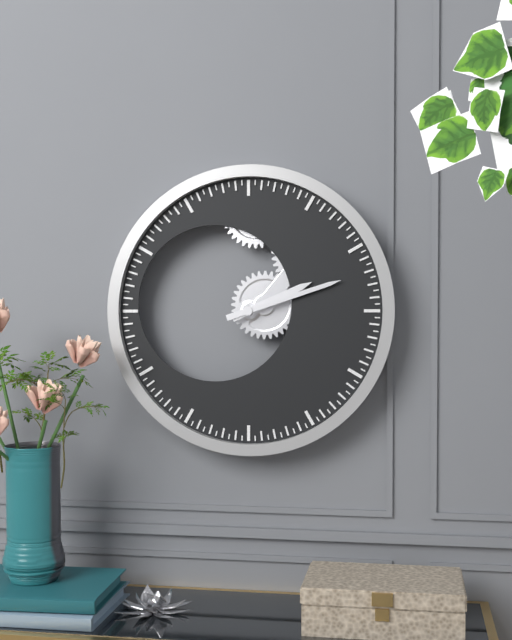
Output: {"hour": 2, "minute": 12}
